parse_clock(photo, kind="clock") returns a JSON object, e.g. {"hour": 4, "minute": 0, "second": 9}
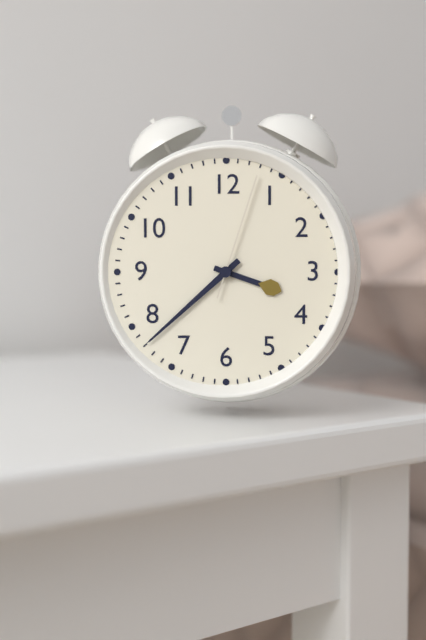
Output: {"hour": 3, "minute": 38, "second": 3}
